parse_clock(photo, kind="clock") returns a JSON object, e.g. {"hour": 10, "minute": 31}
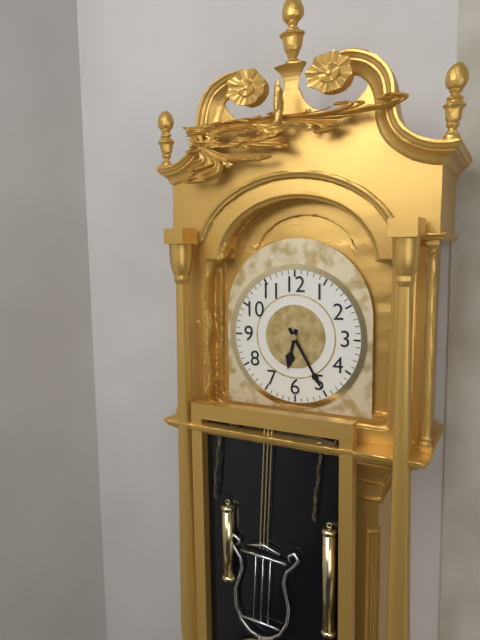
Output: {"hour": 6, "minute": 25}
